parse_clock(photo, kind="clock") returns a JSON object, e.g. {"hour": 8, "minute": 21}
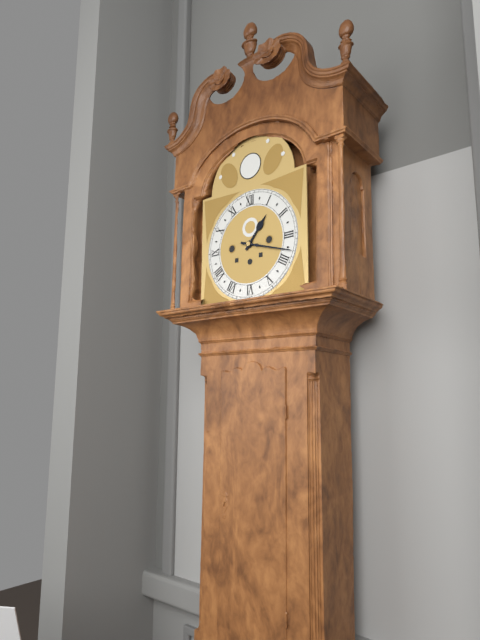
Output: {"hour": 1, "minute": 18}
